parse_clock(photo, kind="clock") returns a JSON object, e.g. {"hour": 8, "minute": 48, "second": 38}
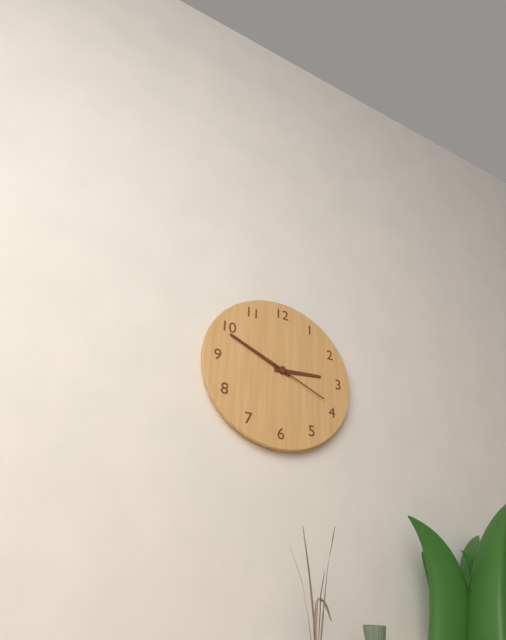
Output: {"hour": 2, "minute": 49, "second": 19}
